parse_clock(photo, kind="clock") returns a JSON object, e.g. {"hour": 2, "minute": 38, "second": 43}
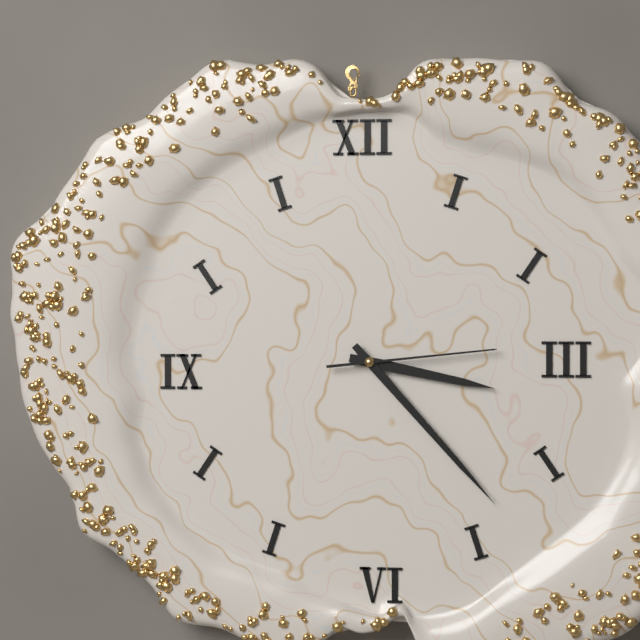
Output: {"hour": 3, "minute": 23, "second": 14}
